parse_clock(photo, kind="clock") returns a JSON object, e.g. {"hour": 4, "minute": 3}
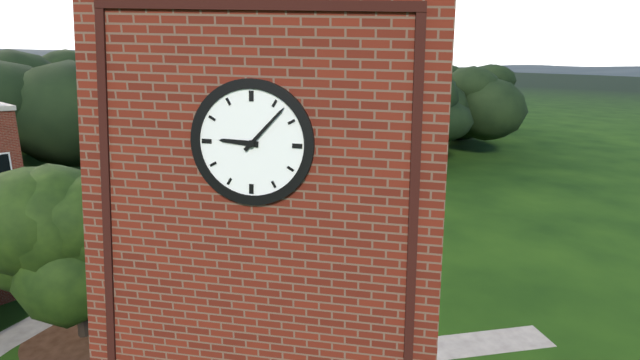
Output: {"hour": 9, "minute": 7}
